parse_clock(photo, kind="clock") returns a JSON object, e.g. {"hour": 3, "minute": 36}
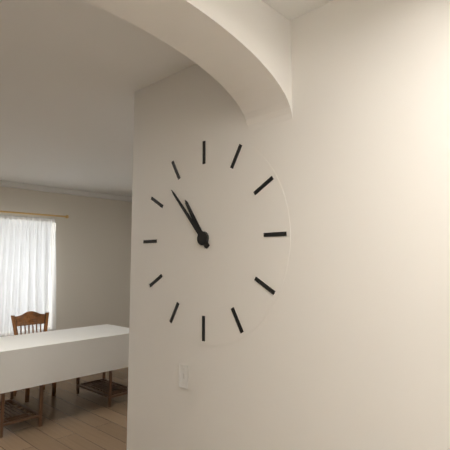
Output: {"hour": 10, "minute": 53}
